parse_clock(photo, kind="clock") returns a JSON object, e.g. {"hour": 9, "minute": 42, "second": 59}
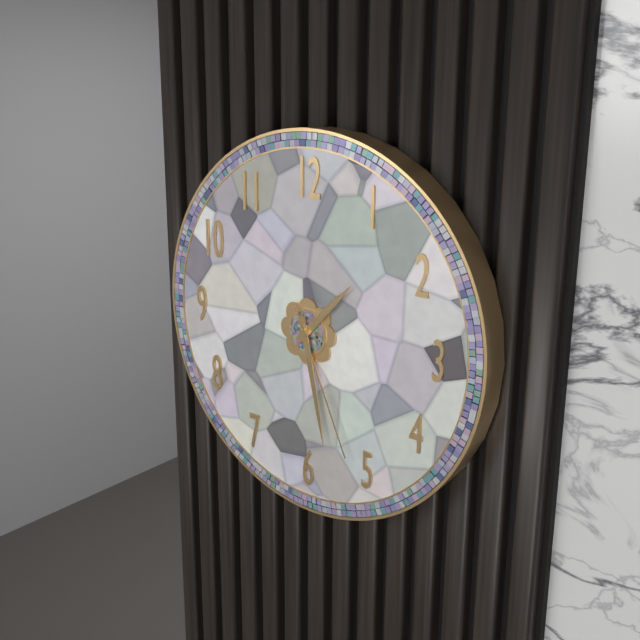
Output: {"hour": 1, "minute": 28, "second": 26}
